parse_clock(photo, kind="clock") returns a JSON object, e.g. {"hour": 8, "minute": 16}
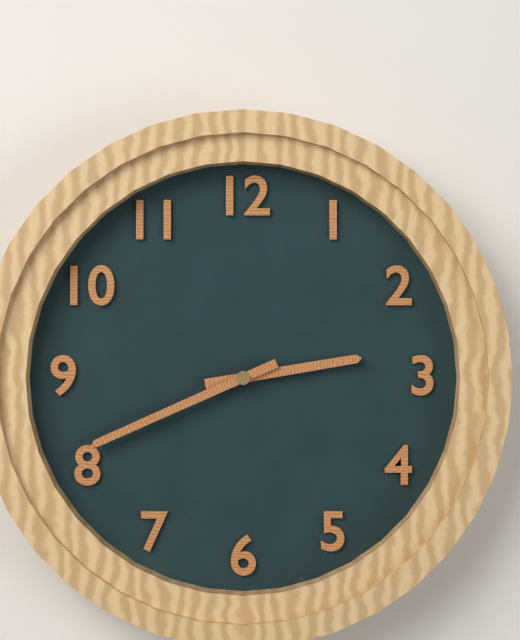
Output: {"hour": 2, "minute": 41}
